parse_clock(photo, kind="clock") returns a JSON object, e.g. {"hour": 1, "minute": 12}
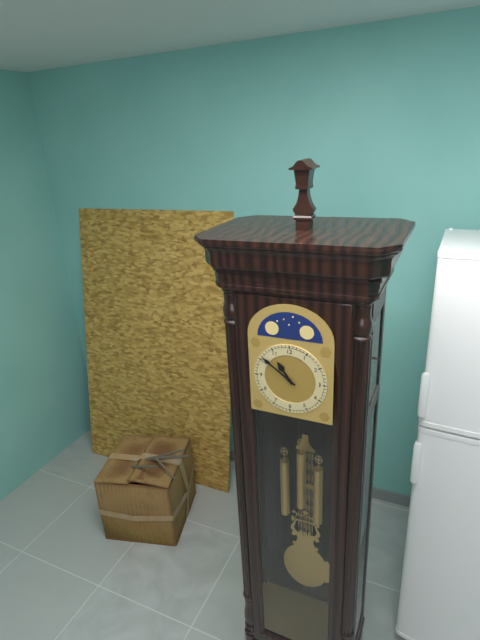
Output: {"hour": 10, "minute": 51}
